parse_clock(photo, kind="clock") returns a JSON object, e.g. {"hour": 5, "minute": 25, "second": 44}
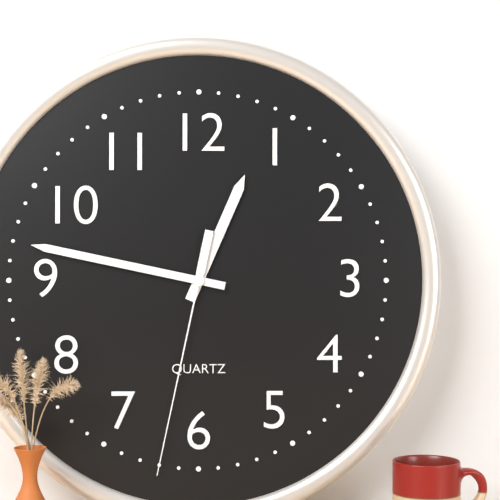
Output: {"hour": 12, "minute": 47, "second": 32}
